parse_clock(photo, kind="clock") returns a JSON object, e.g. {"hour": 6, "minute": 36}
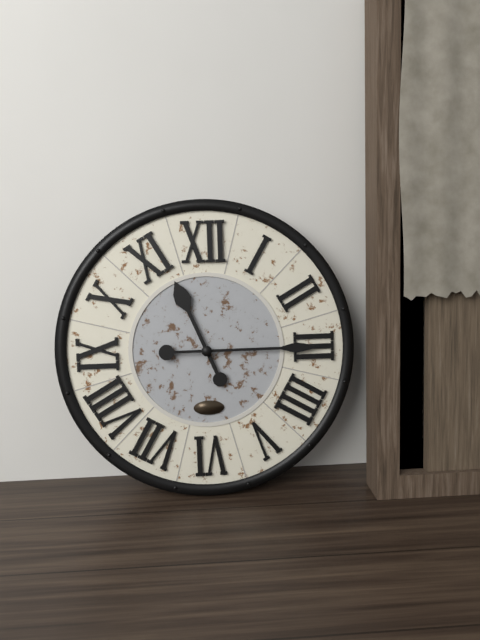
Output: {"hour": 11, "minute": 15}
